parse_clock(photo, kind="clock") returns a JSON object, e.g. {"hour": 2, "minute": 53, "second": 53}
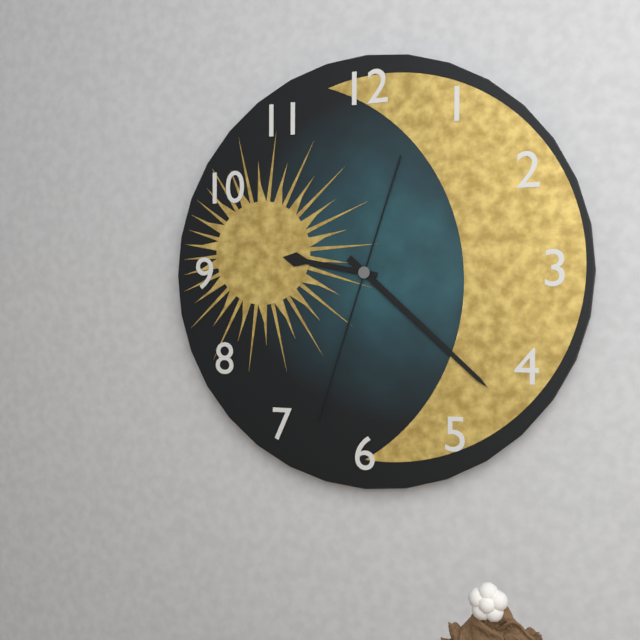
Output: {"hour": 9, "minute": 22, "second": 33}
